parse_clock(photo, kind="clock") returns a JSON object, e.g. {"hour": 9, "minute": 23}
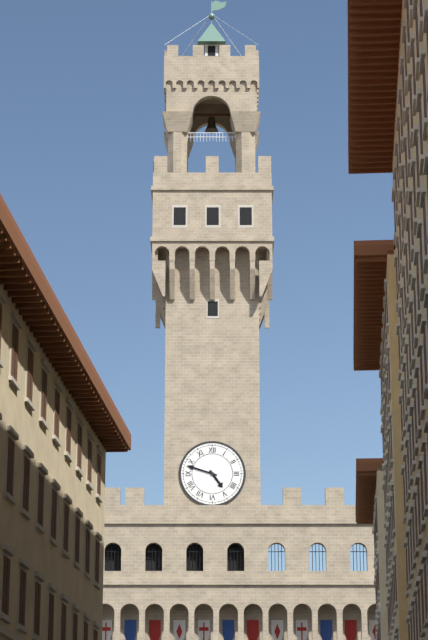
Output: {"hour": 4, "minute": 48}
